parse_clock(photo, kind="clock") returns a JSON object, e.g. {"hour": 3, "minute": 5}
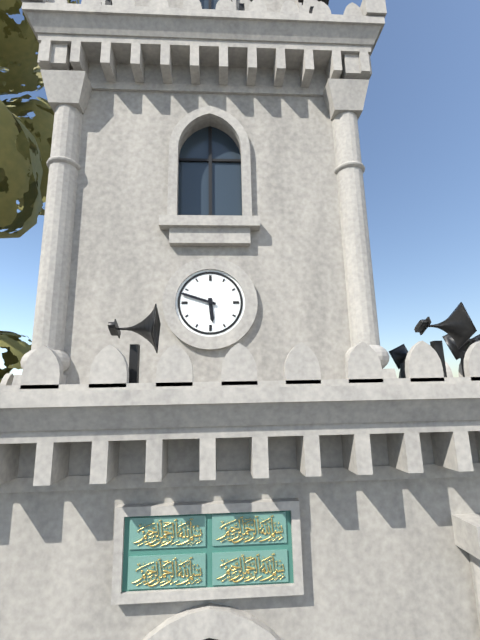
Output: {"hour": 5, "minute": 48}
